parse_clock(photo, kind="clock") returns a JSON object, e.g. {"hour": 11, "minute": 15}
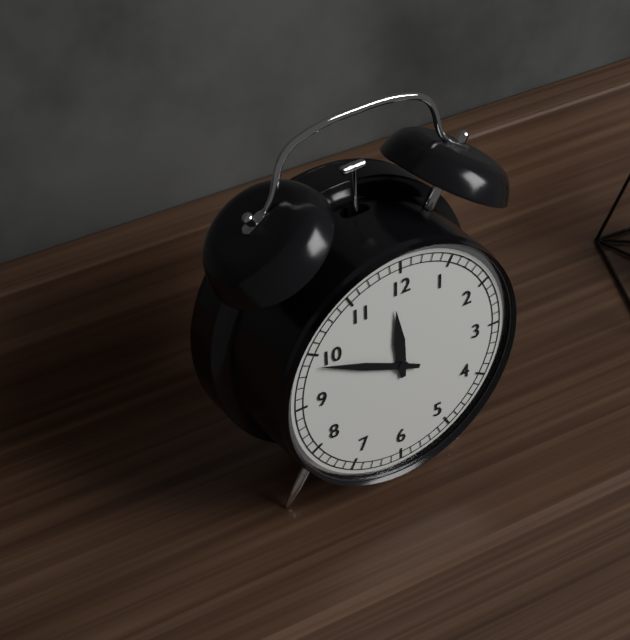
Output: {"hour": 11, "minute": 49}
